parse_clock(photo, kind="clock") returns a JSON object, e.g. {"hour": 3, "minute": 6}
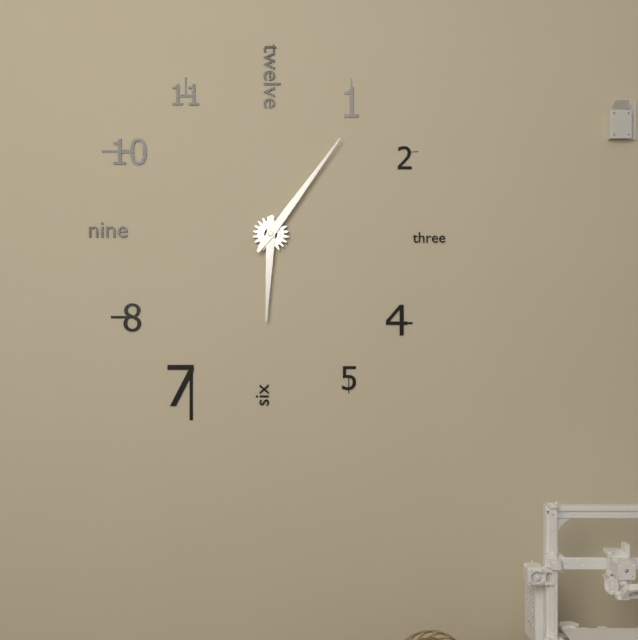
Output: {"hour": 6, "minute": 6}
